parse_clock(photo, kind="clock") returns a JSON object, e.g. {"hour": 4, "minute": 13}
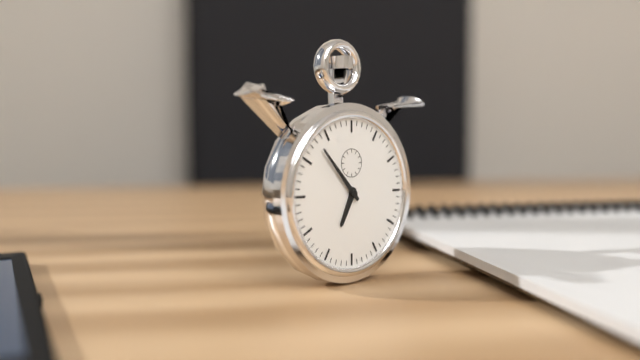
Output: {"hour": 6, "minute": 53}
